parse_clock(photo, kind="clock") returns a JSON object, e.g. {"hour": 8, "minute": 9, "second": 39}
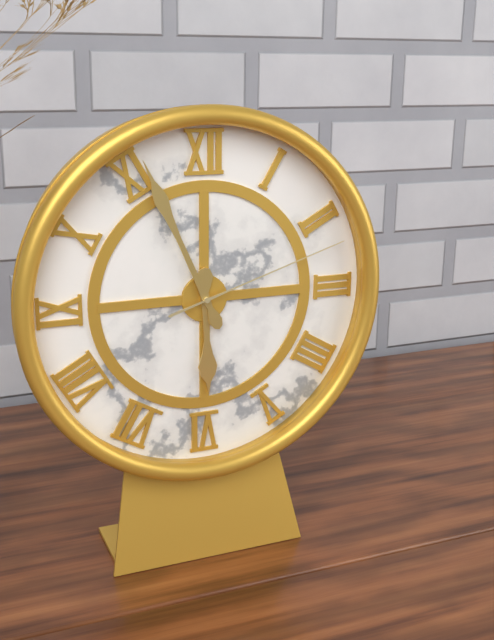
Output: {"hour": 5, "minute": 56, "second": 12}
